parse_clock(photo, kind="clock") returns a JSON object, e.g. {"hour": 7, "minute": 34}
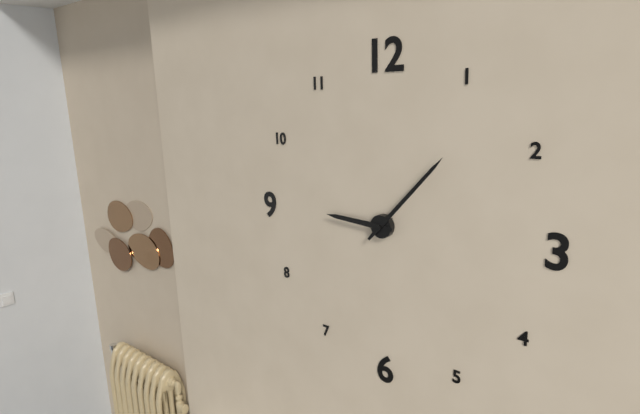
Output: {"hour": 9, "minute": 7}
